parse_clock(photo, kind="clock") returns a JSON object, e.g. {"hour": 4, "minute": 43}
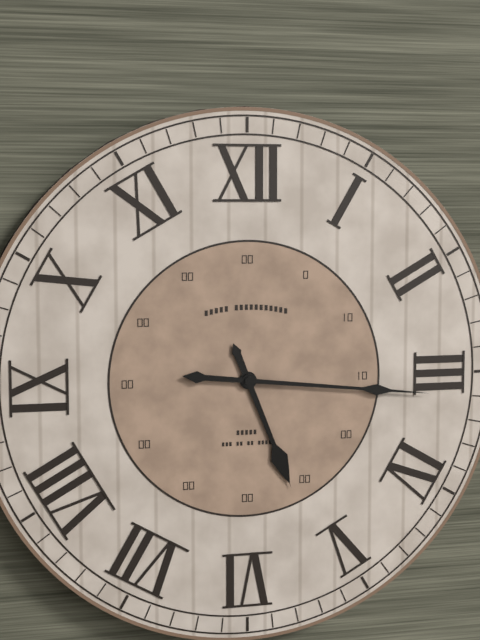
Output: {"hour": 5, "minute": 16}
